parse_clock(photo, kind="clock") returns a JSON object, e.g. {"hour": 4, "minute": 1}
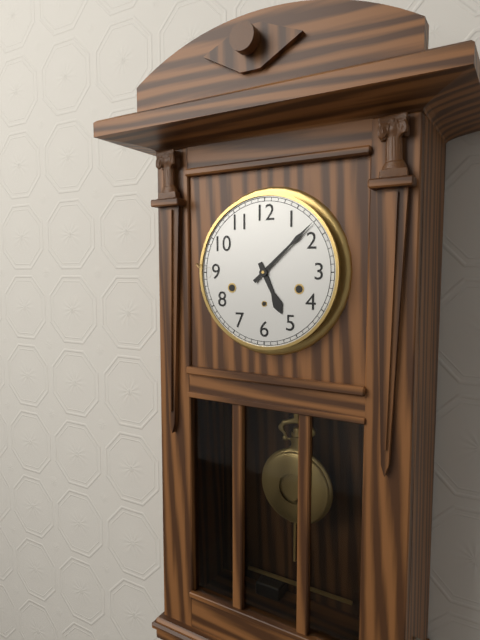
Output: {"hour": 5, "minute": 8}
